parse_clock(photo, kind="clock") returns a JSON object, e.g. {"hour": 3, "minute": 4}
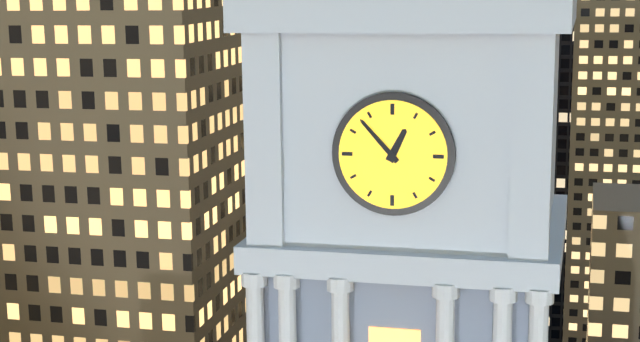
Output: {"hour": 12, "minute": 53}
